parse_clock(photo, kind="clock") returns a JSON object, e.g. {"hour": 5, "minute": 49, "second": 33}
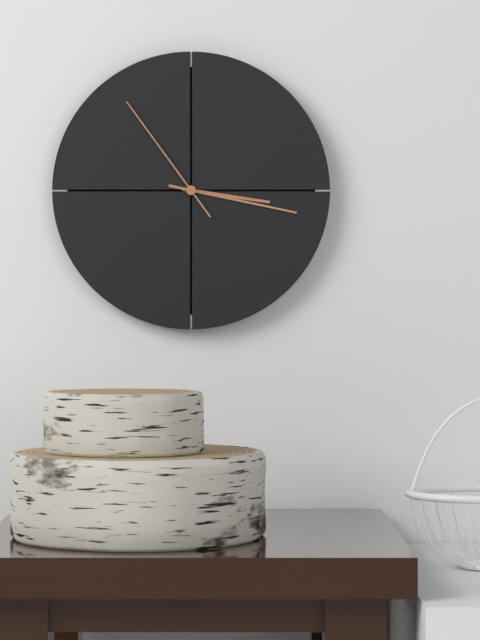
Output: {"hour": 3, "minute": 17, "second": 54}
